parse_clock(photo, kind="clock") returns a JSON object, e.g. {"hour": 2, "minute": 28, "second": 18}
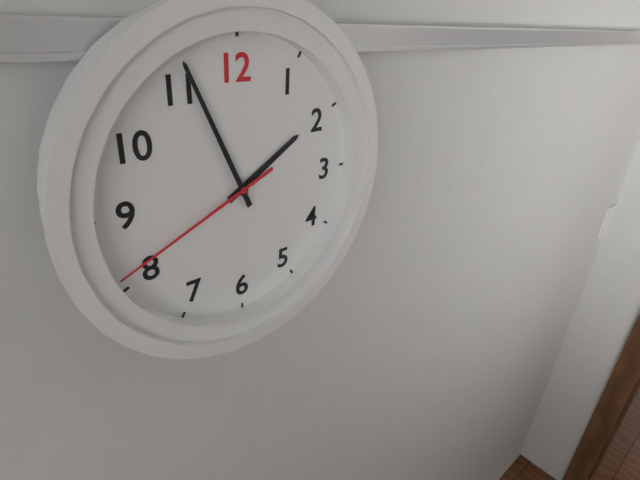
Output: {"hour": 1, "minute": 56, "second": 41}
